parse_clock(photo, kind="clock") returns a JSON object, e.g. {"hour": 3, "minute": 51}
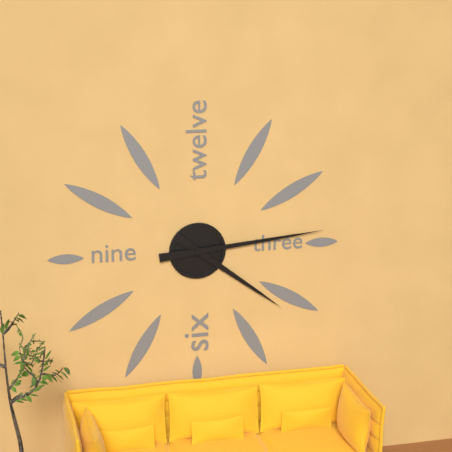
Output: {"hour": 4, "minute": 14}
